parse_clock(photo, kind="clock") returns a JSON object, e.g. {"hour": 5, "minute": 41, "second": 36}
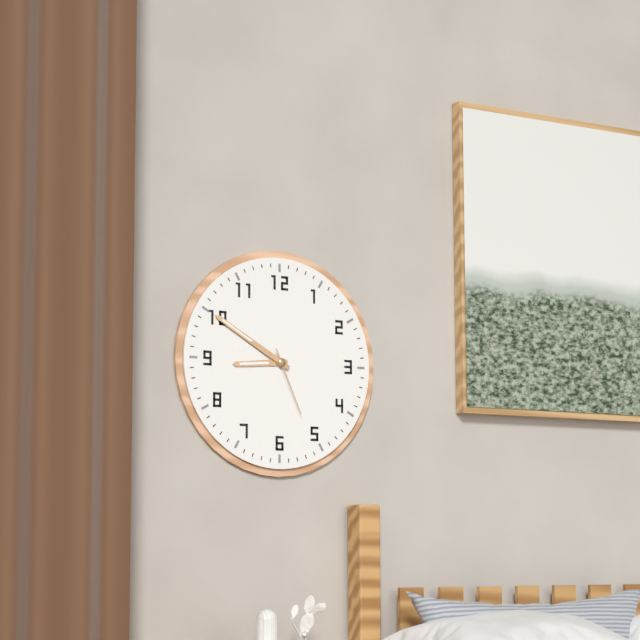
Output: {"hour": 8, "minute": 50, "second": 26}
